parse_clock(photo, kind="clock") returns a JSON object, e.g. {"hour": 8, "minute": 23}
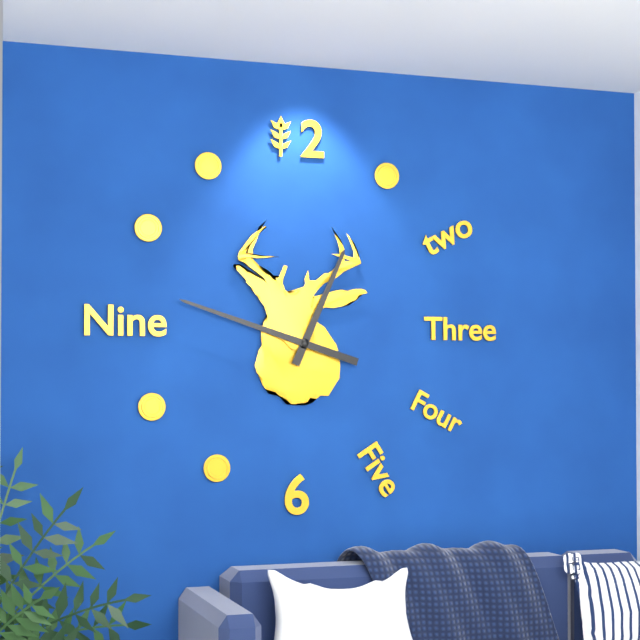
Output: {"hour": 12, "minute": 48}
